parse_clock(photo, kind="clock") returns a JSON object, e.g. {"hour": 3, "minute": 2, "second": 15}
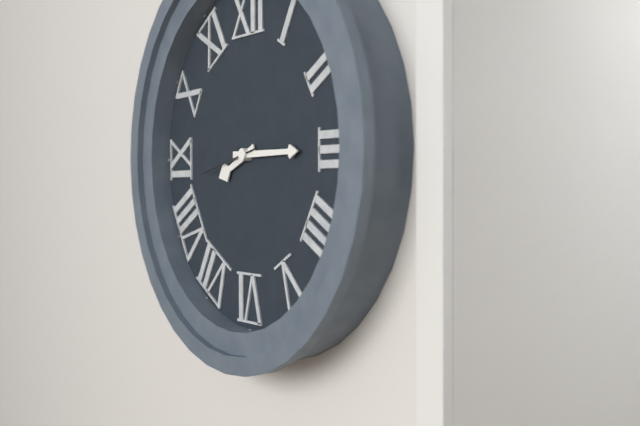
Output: {"hour": 8, "minute": 15, "second": 43}
